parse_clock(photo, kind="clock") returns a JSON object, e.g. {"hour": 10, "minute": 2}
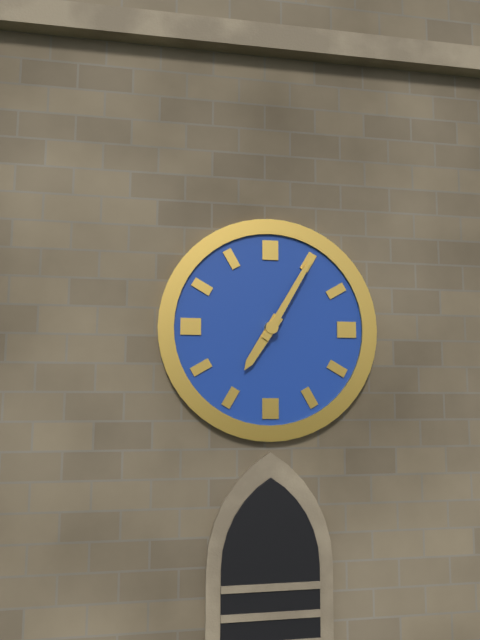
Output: {"hour": 7, "minute": 5}
